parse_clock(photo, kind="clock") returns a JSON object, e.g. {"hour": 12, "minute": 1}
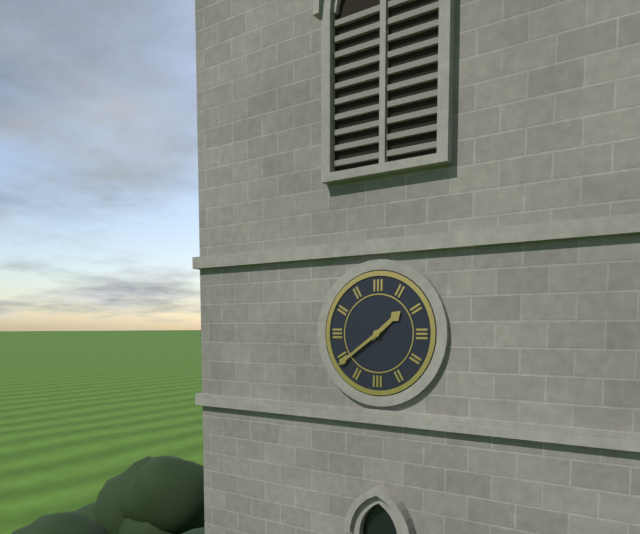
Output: {"hour": 1, "minute": 39}
